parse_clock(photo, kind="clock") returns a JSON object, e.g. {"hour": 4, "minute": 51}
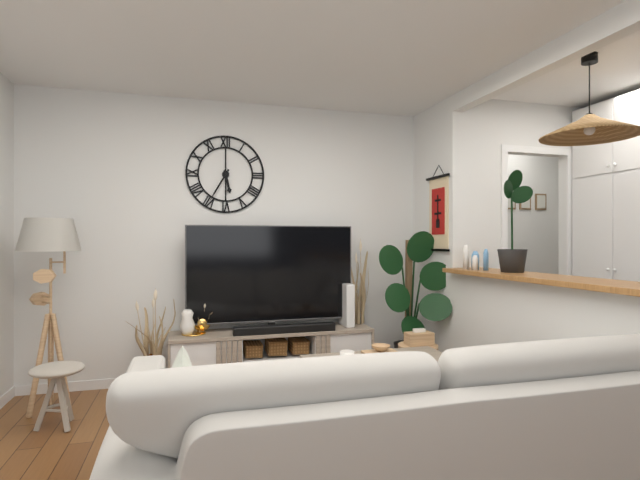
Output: {"hour": 5, "minute": 35}
